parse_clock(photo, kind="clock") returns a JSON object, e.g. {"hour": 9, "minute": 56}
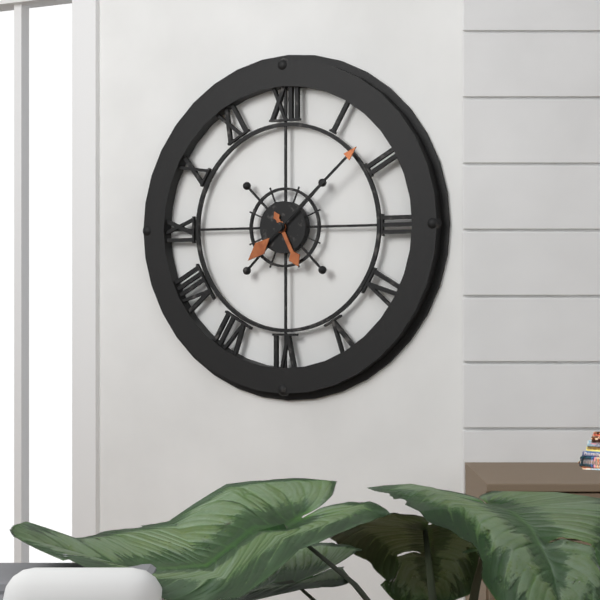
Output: {"hour": 5, "minute": 8}
